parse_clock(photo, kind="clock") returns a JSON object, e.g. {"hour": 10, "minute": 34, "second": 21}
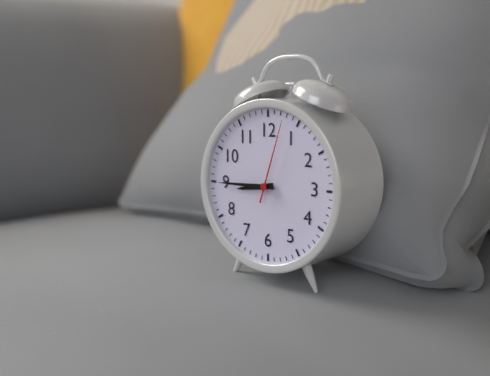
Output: {"hour": 8, "minute": 45, "second": 3}
